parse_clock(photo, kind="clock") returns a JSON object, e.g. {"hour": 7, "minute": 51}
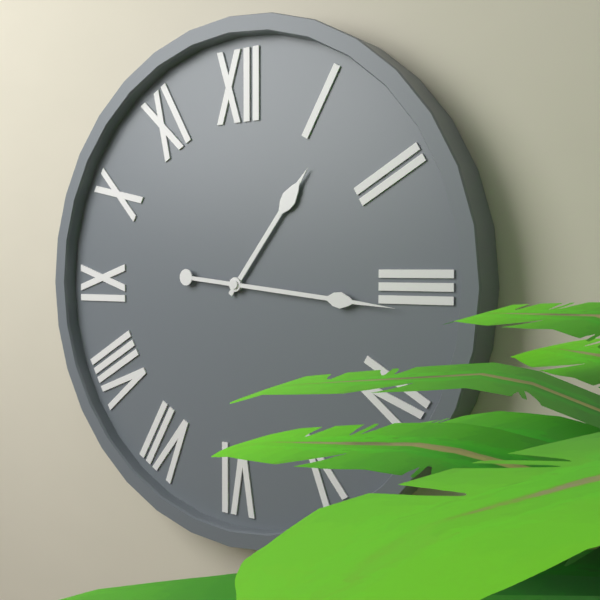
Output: {"hour": 1, "minute": 16}
